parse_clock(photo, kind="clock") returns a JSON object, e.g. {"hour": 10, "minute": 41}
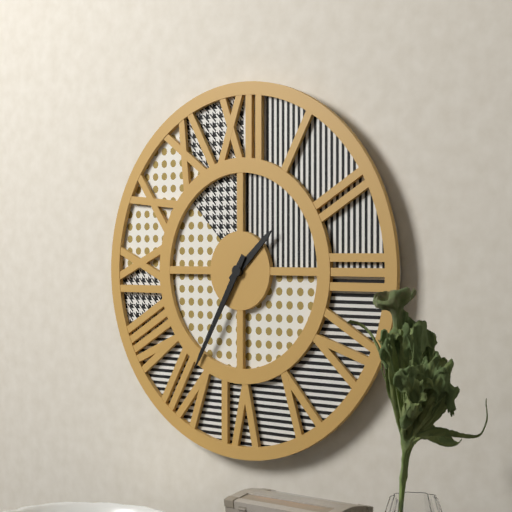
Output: {"hour": 1, "minute": 35}
